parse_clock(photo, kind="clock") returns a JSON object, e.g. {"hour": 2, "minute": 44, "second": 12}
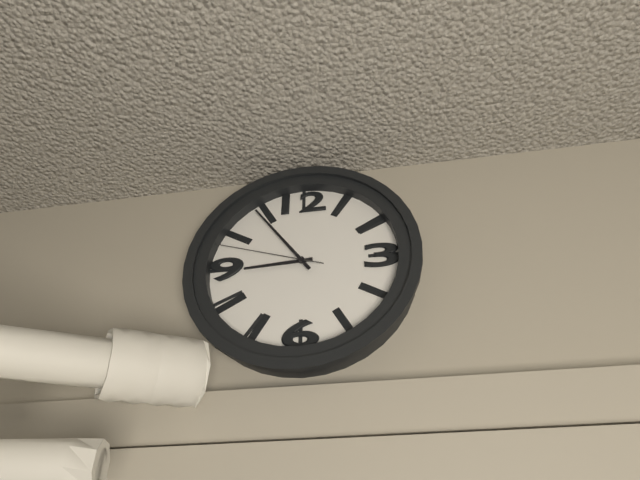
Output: {"hour": 8, "minute": 54, "second": 48}
